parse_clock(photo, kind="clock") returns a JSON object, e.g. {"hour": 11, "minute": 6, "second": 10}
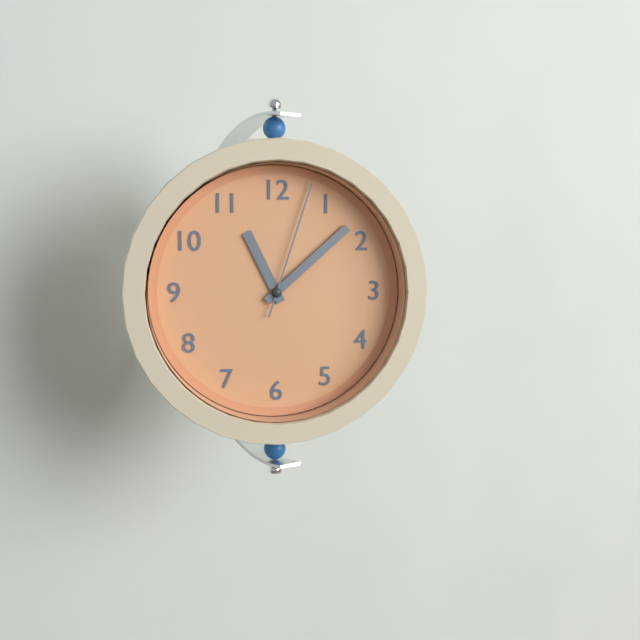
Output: {"hour": 11, "minute": 8, "second": 3}
